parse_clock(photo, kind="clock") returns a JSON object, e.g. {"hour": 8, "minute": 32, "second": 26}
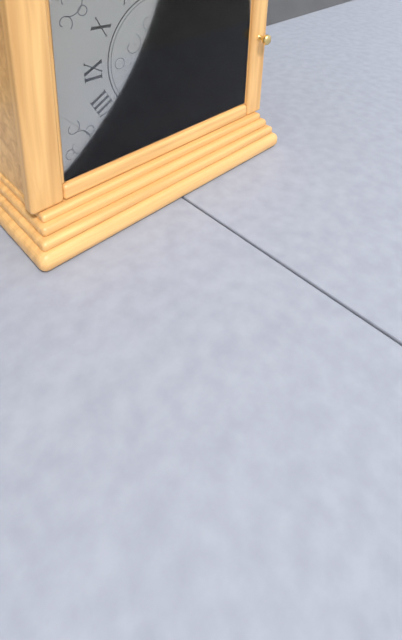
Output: {"hour": 1, "minute": 11, "second": 28}
